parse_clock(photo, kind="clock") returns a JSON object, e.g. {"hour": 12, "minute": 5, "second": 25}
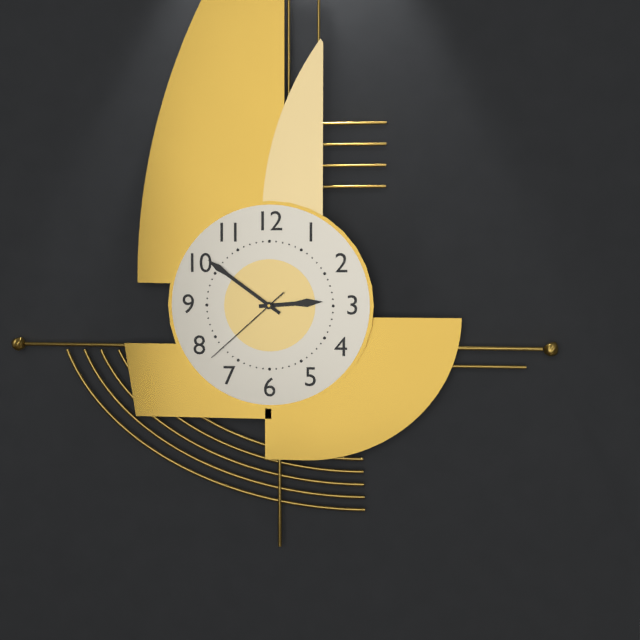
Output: {"hour": 2, "minute": 51, "second": 38}
